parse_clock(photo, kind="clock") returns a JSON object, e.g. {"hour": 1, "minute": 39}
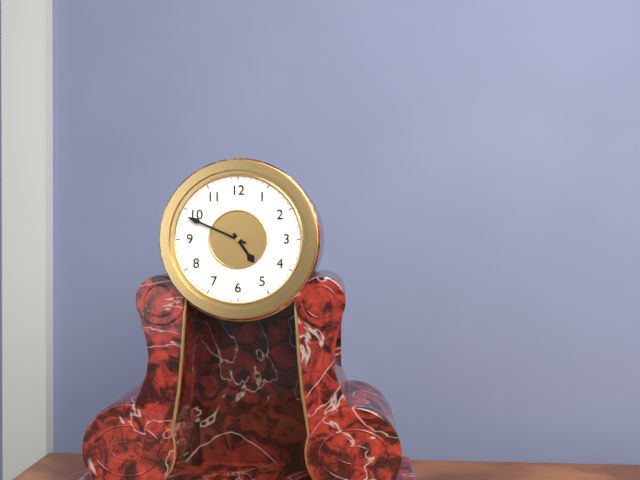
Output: {"hour": 4, "minute": 49}
